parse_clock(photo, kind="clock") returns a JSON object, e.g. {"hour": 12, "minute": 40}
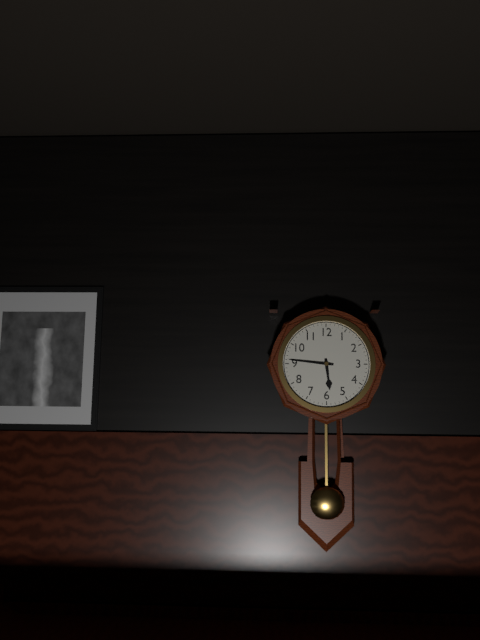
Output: {"hour": 5, "minute": 46}
